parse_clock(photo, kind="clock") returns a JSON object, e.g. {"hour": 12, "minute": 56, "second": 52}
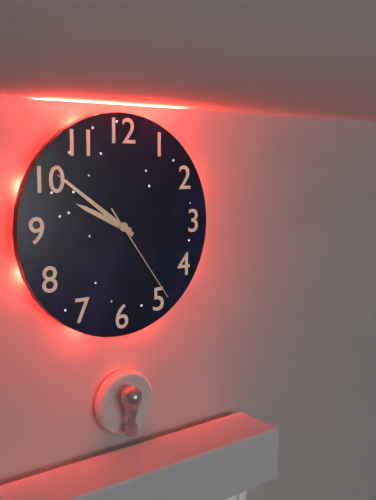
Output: {"hour": 9, "minute": 51, "second": 24}
